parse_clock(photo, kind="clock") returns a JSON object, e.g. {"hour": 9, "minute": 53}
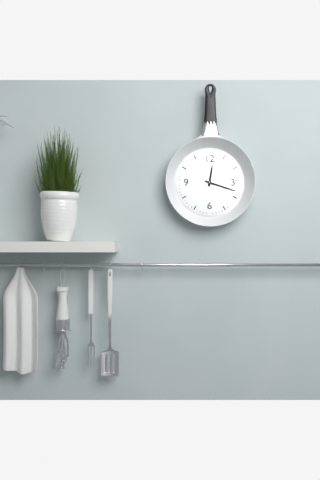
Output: {"hour": 12, "minute": 18}
